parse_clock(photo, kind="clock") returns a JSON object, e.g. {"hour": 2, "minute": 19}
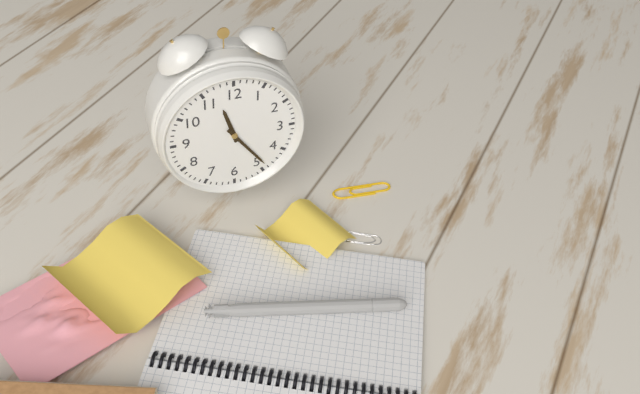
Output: {"hour": 11, "minute": 24}
